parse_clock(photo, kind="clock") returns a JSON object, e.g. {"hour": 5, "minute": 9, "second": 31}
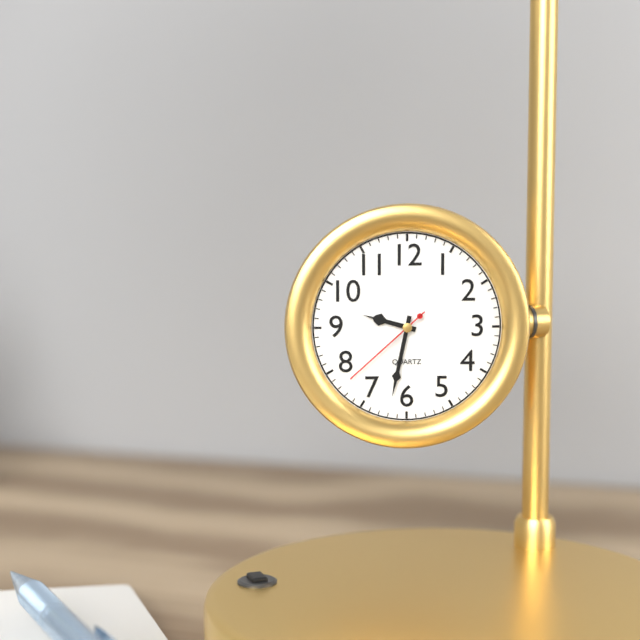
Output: {"hour": 9, "minute": 32, "second": 38}
